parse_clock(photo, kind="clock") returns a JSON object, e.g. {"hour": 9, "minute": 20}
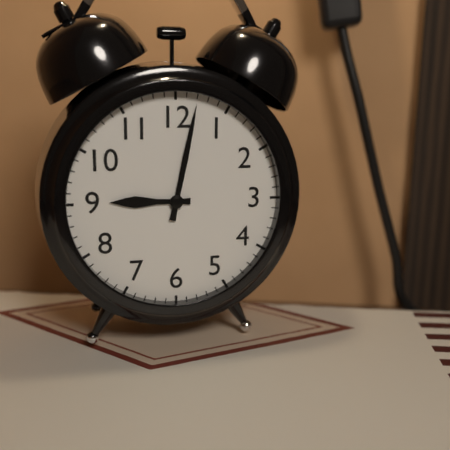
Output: {"hour": 9, "minute": 2}
